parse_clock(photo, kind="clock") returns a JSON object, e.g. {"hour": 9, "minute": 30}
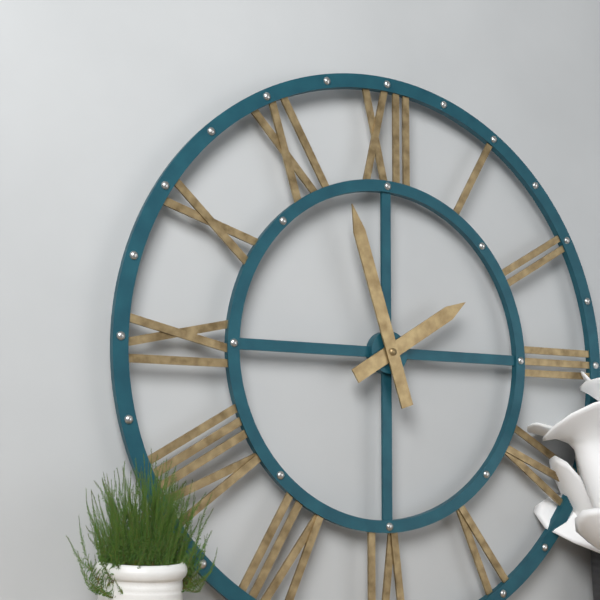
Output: {"hour": 1, "minute": 57}
